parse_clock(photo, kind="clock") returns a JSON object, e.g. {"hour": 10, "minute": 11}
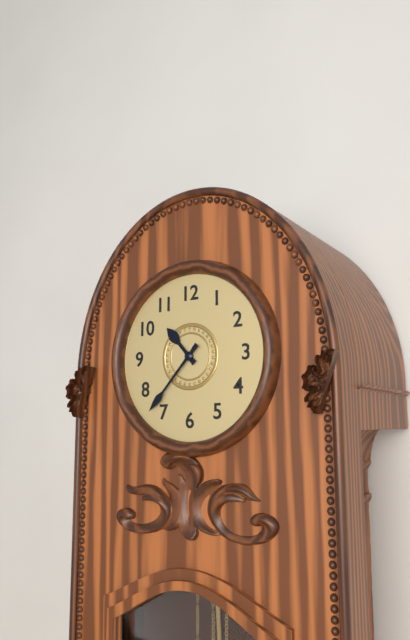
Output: {"hour": 10, "minute": 37}
